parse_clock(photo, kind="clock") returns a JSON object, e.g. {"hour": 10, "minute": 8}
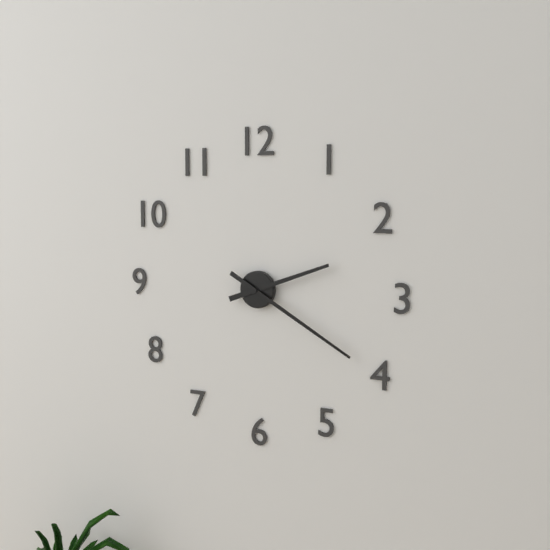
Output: {"hour": 2, "minute": 20}
